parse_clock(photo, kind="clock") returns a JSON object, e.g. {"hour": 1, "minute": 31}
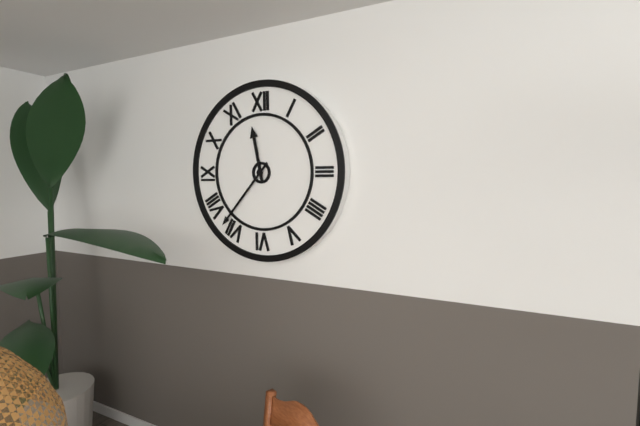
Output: {"hour": 11, "minute": 37}
